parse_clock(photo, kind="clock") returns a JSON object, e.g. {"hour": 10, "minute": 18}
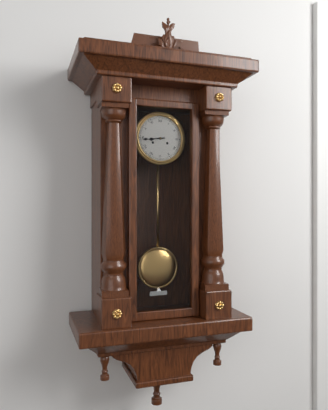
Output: {"hour": 8, "minute": 44}
